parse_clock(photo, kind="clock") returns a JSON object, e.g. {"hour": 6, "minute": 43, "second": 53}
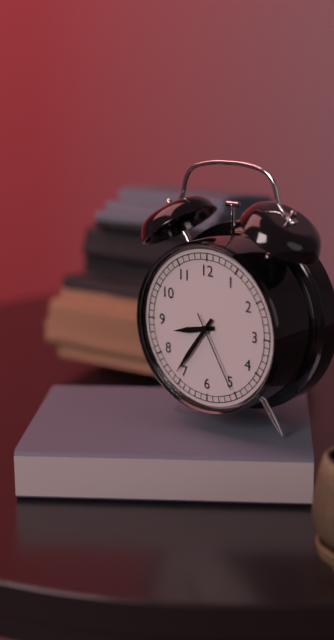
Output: {"hour": 8, "minute": 36, "second": 25}
